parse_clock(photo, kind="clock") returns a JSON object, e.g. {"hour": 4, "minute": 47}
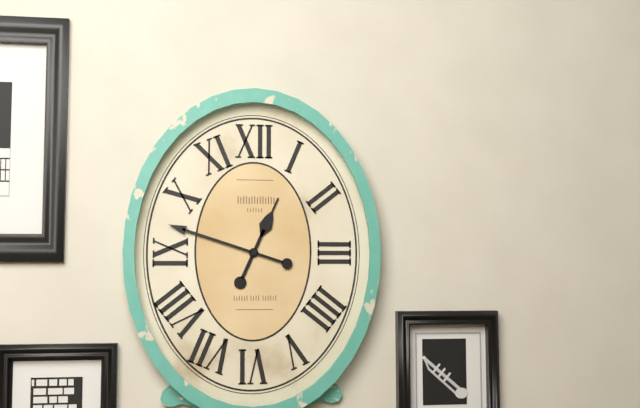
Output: {"hour": 12, "minute": 48}
